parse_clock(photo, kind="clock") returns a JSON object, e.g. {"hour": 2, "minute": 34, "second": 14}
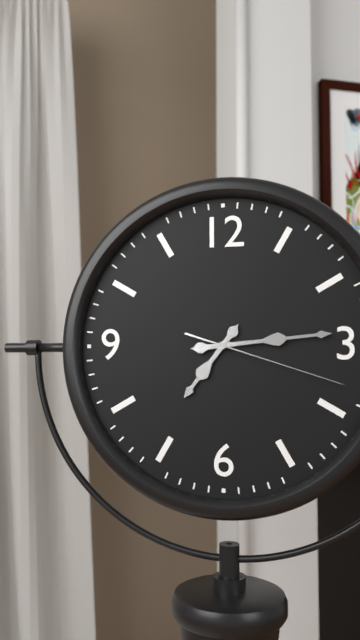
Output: {"hour": 7, "minute": 14, "second": 18}
